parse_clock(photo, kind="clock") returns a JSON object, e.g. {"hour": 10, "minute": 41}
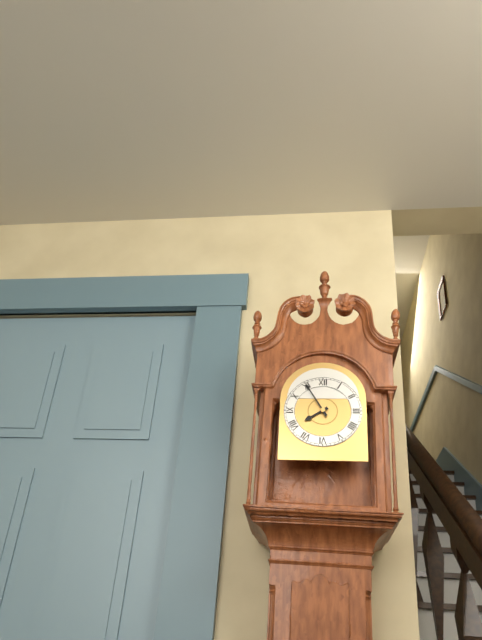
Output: {"hour": 7, "minute": 55}
